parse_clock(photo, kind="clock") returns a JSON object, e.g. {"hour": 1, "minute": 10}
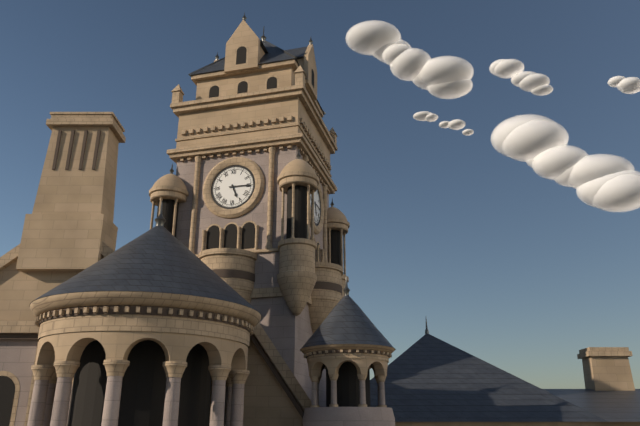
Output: {"hour": 5, "minute": 15}
